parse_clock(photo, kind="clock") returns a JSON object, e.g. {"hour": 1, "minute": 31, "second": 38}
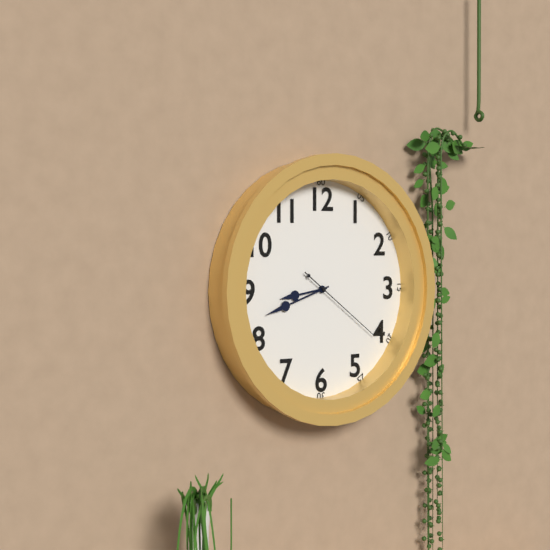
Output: {"hour": 8, "minute": 42, "second": 21}
